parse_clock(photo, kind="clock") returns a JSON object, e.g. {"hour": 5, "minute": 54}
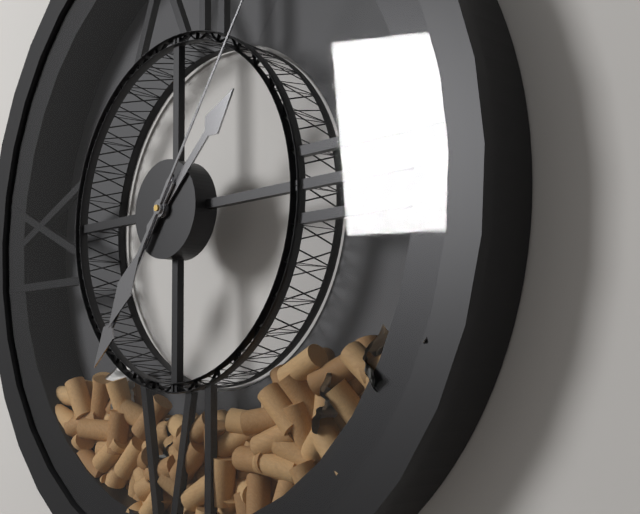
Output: {"hour": 1, "minute": 36}
